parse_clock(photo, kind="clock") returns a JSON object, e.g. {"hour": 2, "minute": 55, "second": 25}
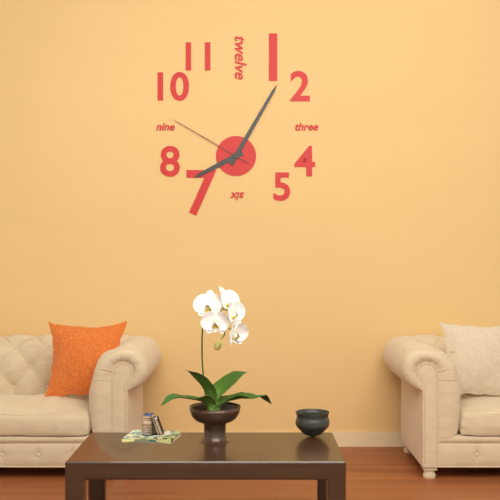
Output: {"hour": 8, "minute": 5, "second": 50}
